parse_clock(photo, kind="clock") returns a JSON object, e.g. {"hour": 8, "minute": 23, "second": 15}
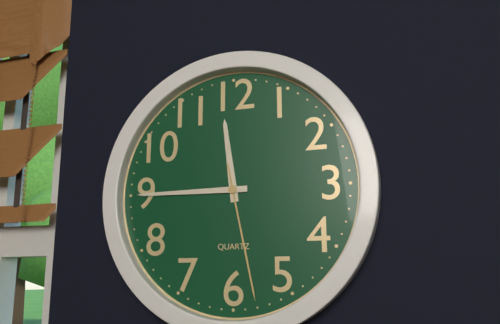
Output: {"hour": 11, "minute": 45, "second": 28}
